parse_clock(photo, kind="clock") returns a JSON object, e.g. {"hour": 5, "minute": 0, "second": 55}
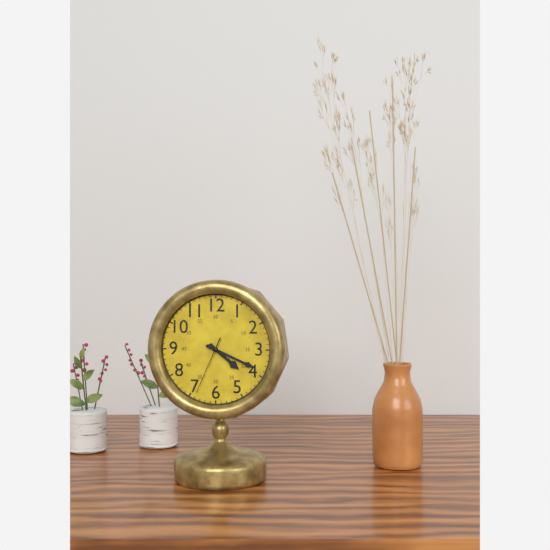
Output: {"hour": 4, "minute": 19, "second": 34}
